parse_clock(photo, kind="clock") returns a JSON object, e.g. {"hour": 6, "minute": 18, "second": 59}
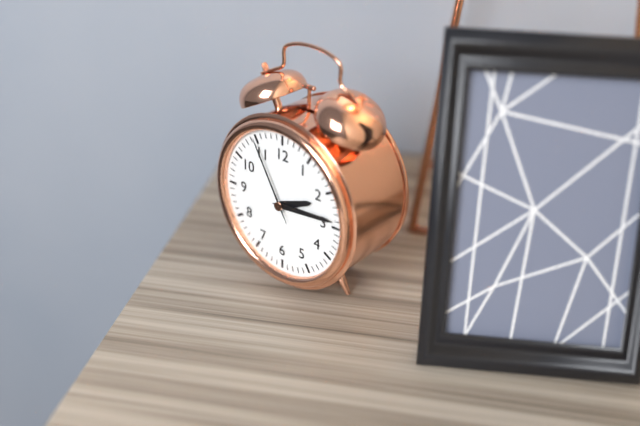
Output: {"hour": 2, "minute": 14, "second": 55}
